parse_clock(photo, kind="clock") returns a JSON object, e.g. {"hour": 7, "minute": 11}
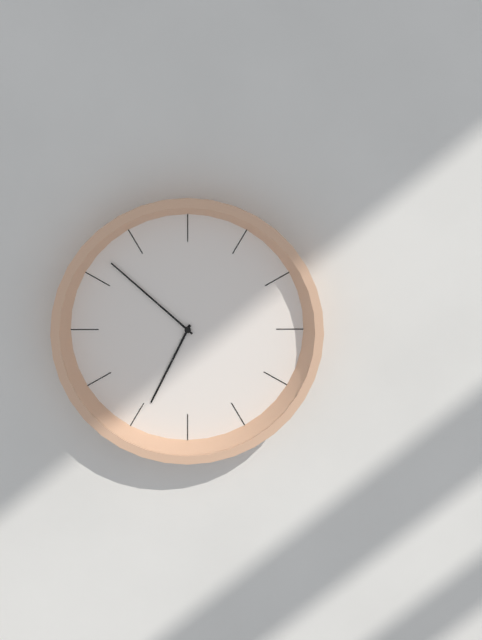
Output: {"hour": 6, "minute": 52}
